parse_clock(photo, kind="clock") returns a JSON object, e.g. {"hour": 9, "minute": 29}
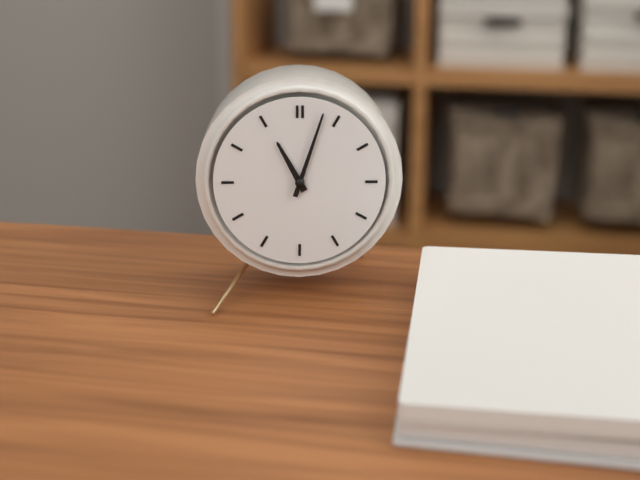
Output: {"hour": 11, "minute": 3}
